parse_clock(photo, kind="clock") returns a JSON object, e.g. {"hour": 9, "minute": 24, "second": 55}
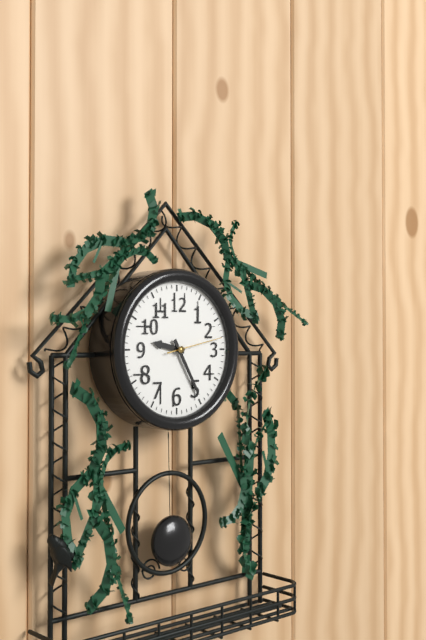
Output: {"hour": 9, "minute": 25, "second": 13}
